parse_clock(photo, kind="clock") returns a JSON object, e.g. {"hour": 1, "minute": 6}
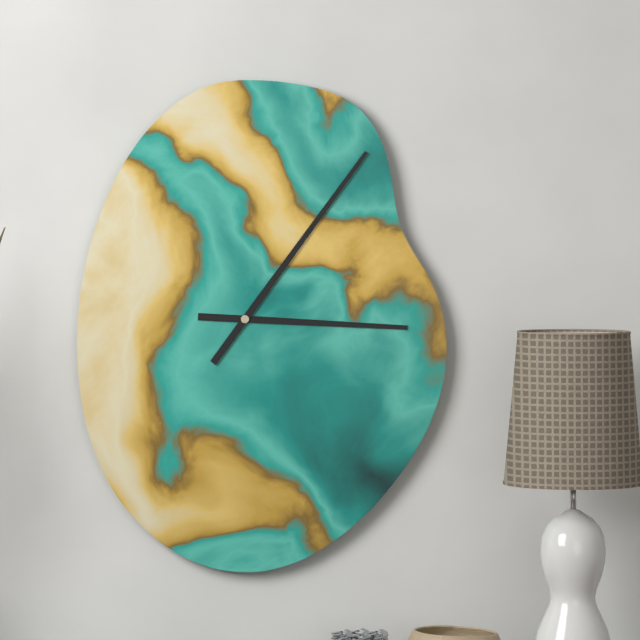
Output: {"hour": 3, "minute": 6}
